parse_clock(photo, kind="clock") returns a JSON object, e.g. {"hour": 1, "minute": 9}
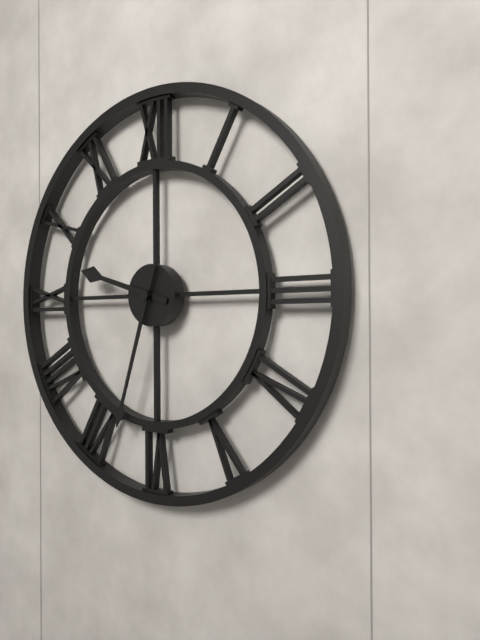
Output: {"hour": 9, "minute": 33}
